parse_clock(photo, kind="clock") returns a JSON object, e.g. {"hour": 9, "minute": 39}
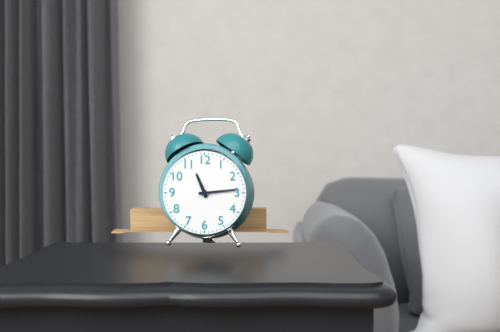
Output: {"hour": 11, "minute": 14}
